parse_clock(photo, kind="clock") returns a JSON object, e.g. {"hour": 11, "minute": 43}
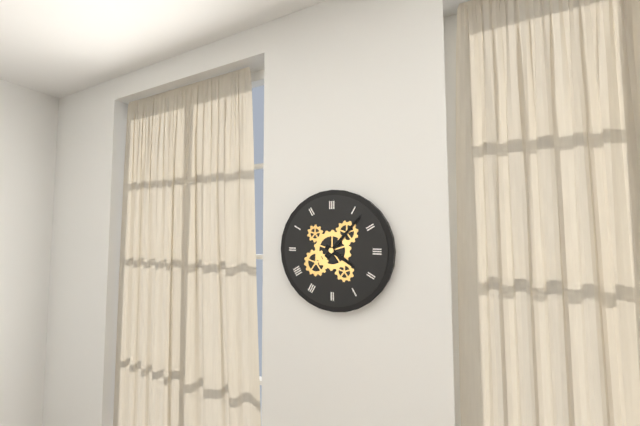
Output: {"hour": 4, "minute": 7}
